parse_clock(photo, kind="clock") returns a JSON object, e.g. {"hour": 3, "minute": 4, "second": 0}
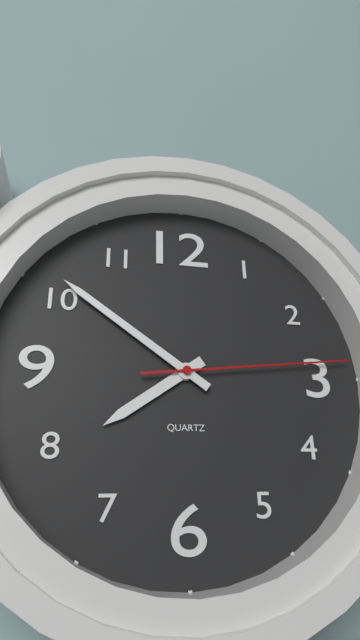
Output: {"hour": 7, "minute": 51, "second": 14}
